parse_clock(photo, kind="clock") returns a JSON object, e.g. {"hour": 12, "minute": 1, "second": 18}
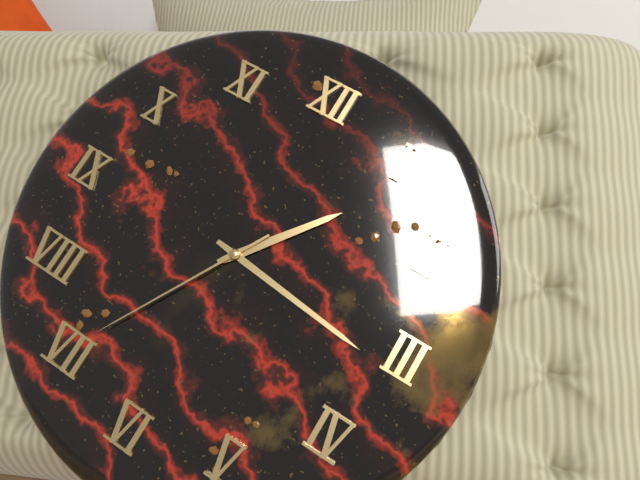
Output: {"hour": 1, "minute": 16, "second": 35}
